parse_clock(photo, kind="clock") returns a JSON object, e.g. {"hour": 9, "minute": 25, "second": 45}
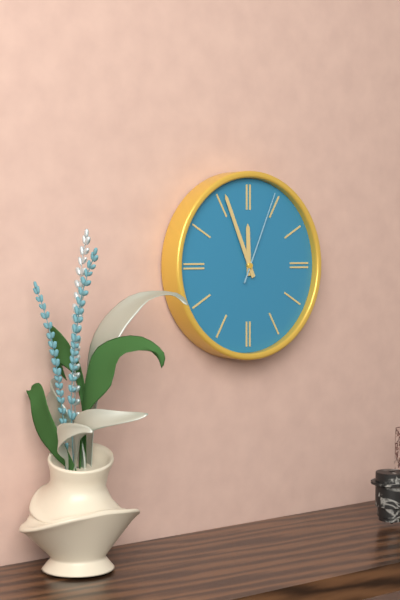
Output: {"hour": 11, "minute": 56, "second": 4}
